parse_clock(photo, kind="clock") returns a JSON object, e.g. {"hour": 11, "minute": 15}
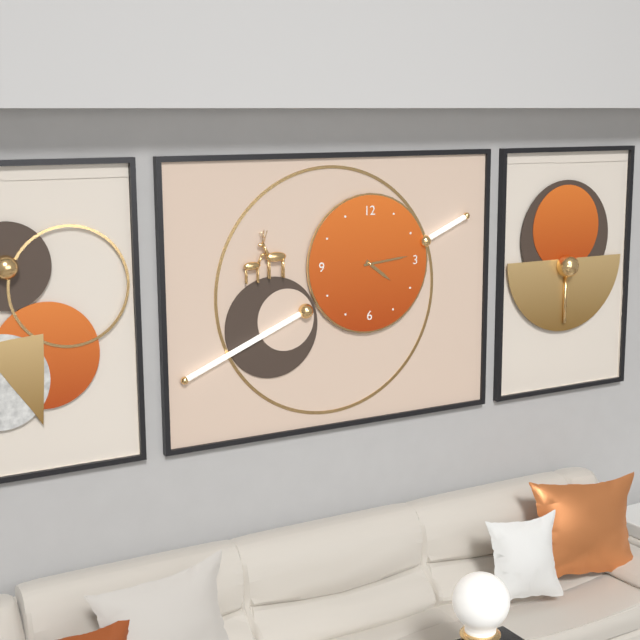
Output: {"hour": 4, "minute": 14}
